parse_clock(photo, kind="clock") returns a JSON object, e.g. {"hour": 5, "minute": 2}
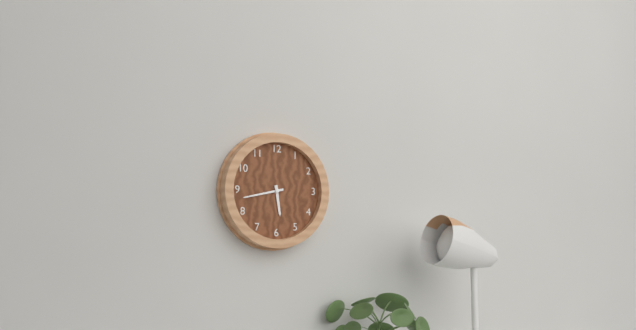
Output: {"hour": 5, "minute": 43}
